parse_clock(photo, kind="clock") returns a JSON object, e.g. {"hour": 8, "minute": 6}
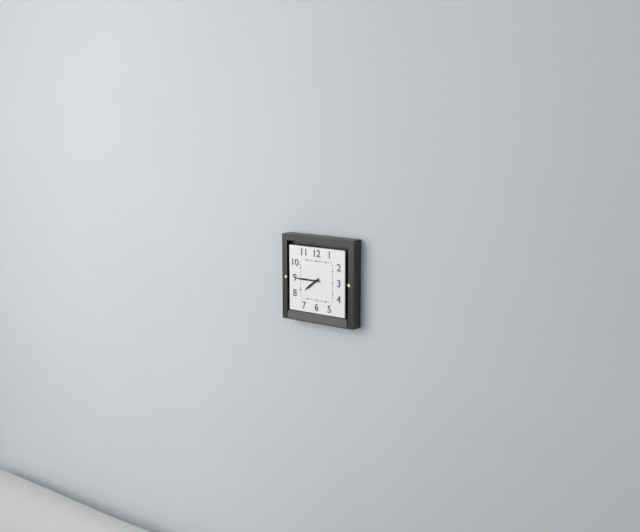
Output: {"hour": 7, "minute": 45}
